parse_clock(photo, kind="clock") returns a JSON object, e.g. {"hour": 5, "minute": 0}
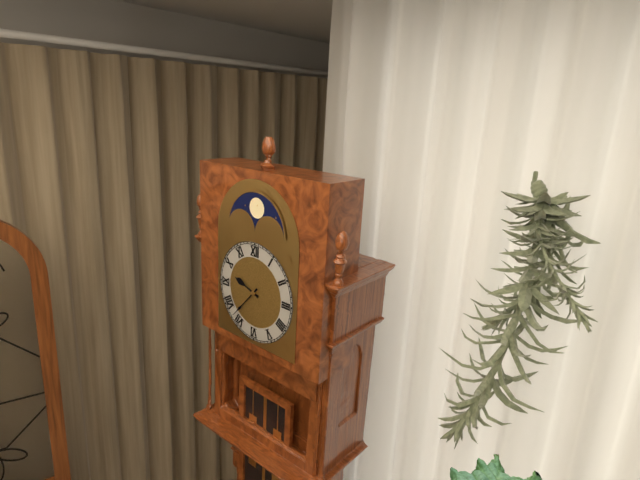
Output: {"hour": 9, "minute": 37}
